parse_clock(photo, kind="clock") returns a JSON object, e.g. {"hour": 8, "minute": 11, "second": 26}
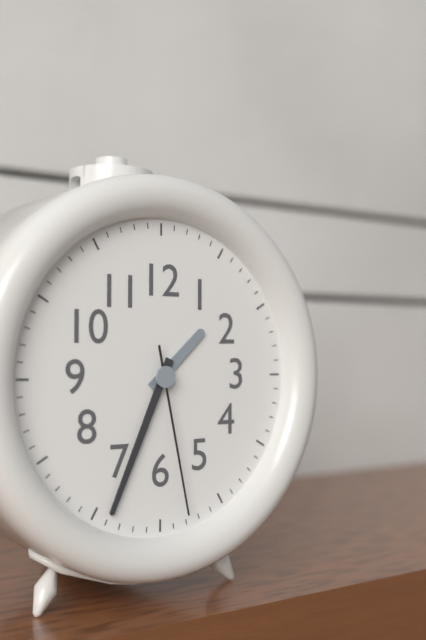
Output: {"hour": 1, "minute": 34, "second": 28}
